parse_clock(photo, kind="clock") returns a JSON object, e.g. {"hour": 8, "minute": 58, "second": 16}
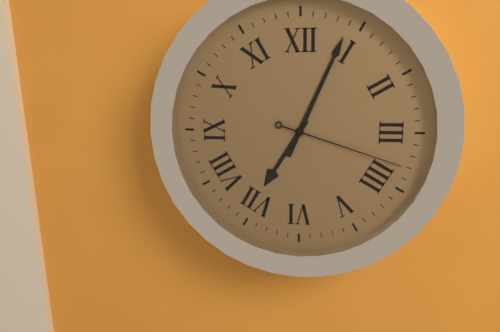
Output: {"hour": 7, "minute": 4, "second": 18}
